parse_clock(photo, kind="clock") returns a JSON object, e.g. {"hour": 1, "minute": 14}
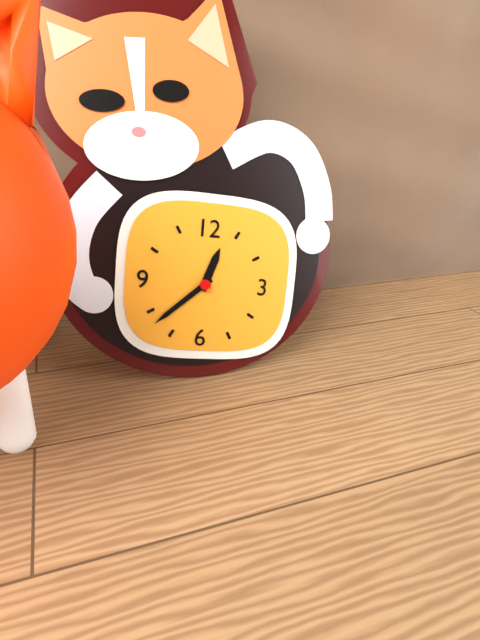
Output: {"hour": 12, "minute": 38}
